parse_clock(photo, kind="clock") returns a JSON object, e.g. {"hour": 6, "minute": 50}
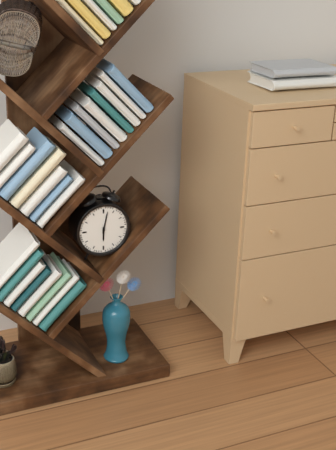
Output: {"hour": 6, "minute": 2}
